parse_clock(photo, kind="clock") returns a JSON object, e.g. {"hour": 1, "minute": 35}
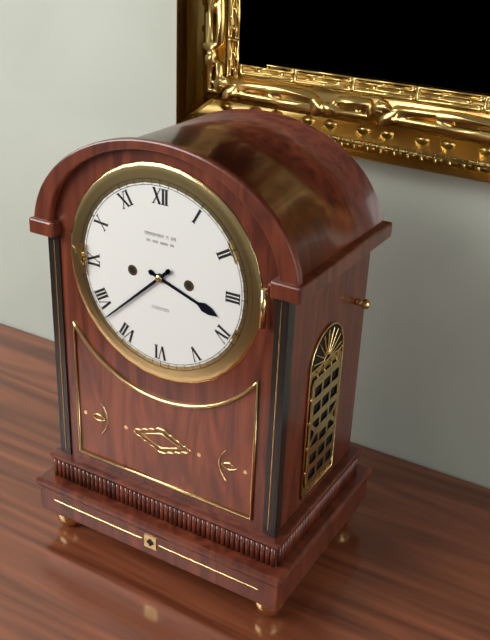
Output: {"hour": 3, "minute": 38}
